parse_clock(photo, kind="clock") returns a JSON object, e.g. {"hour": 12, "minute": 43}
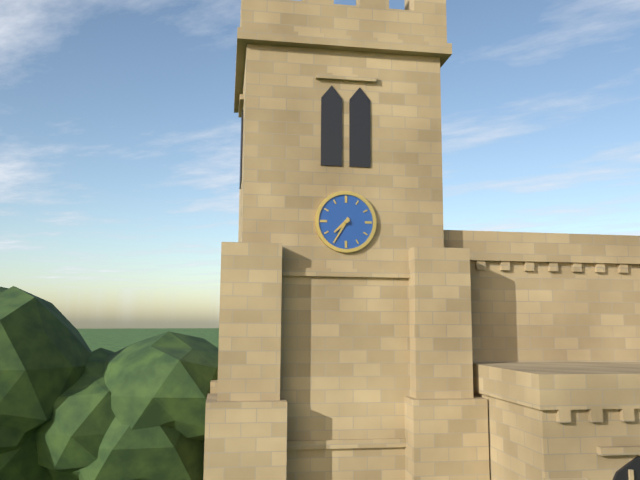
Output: {"hour": 7, "minute": 35}
